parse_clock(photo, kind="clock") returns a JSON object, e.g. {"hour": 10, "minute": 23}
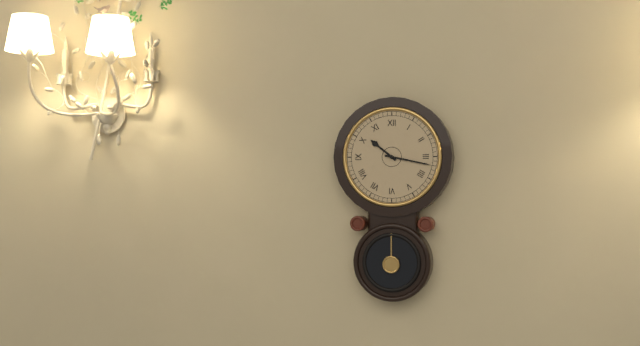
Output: {"hour": 10, "minute": 17}
